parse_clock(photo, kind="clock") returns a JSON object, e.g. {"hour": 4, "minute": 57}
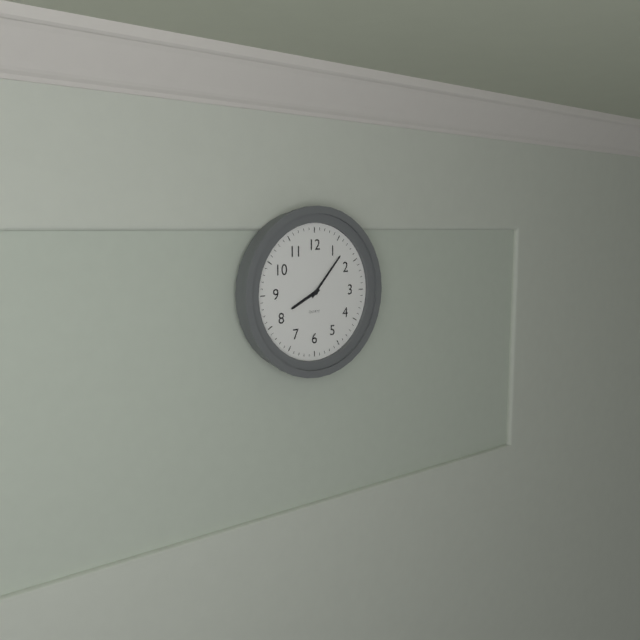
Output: {"hour": 8, "minute": 7}
